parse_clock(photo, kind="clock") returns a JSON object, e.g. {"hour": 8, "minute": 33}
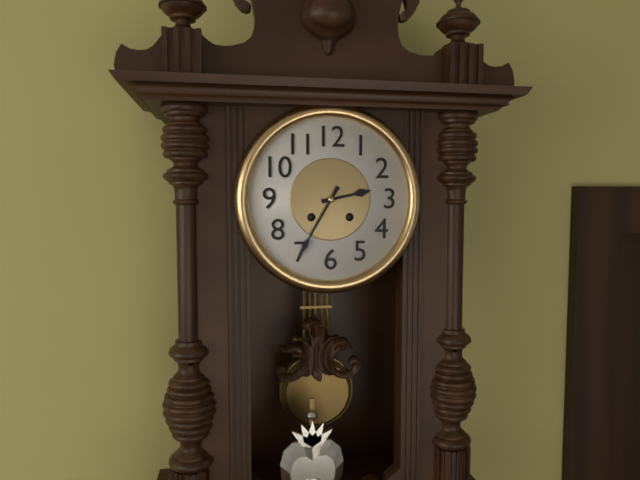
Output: {"hour": 2, "minute": 35}
